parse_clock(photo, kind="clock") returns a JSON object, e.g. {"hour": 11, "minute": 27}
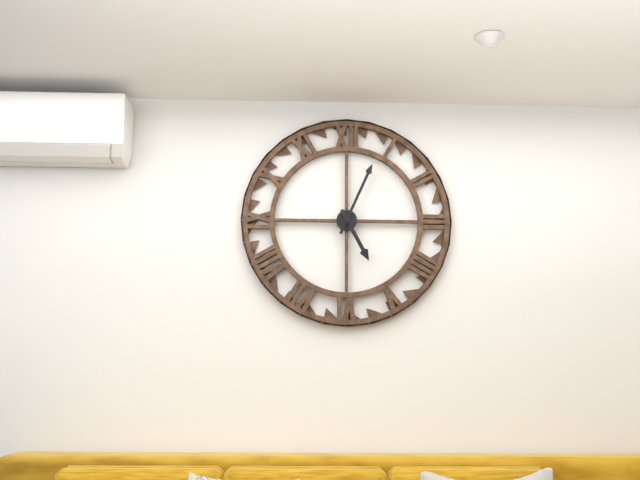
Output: {"hour": 5, "minute": 4}
